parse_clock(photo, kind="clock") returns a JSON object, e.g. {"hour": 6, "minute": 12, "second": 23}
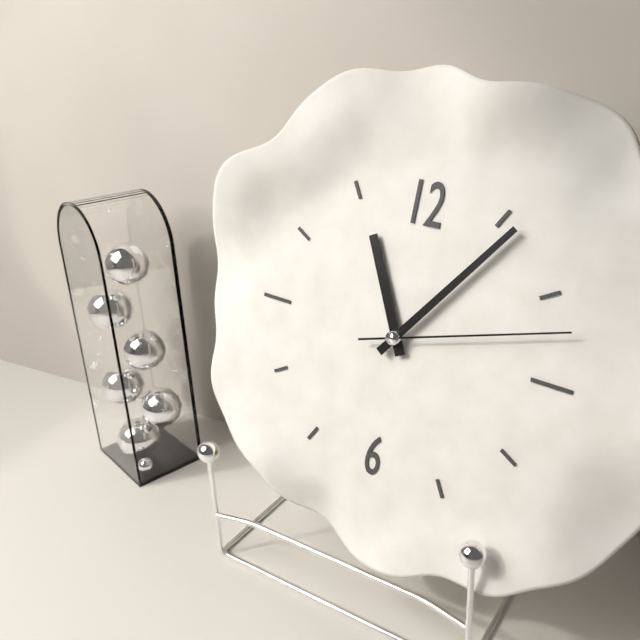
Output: {"hour": 11, "minute": 6, "second": 12}
